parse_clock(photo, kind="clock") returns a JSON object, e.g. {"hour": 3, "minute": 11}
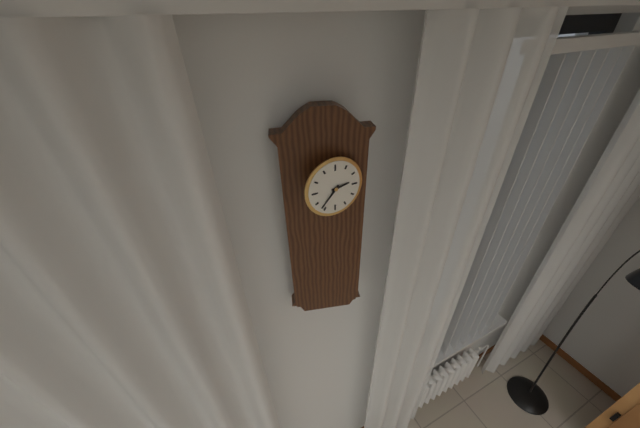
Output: {"hour": 2, "minute": 37}
